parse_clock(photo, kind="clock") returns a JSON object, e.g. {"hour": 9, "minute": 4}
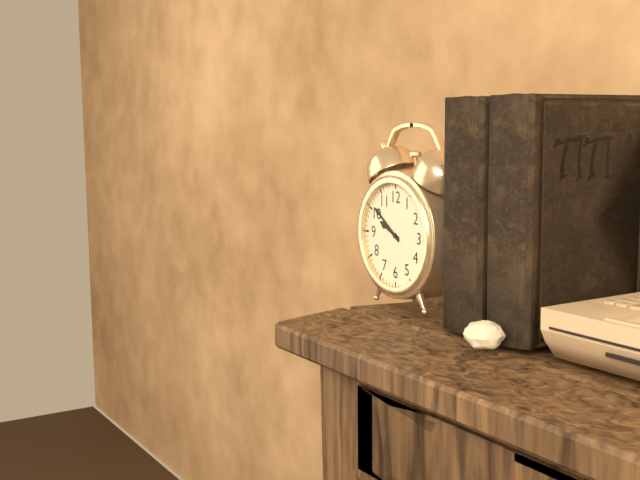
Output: {"hour": 9, "minute": 51}
